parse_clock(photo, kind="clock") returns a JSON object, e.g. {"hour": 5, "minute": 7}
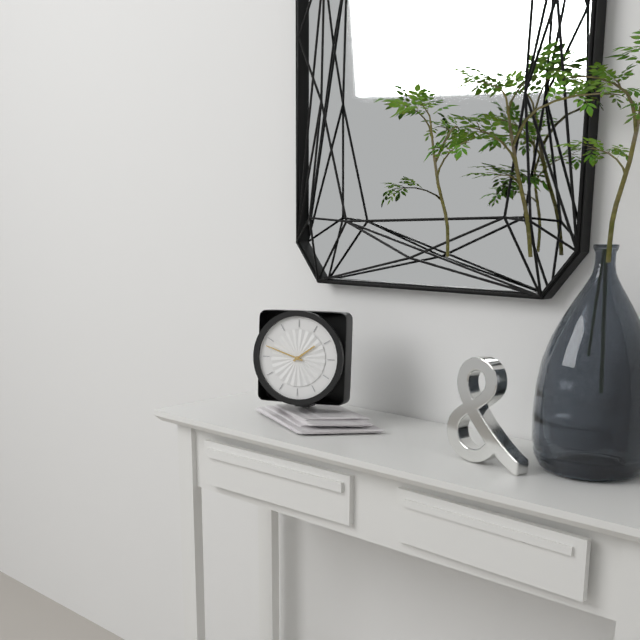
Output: {"hour": 1, "minute": 48}
